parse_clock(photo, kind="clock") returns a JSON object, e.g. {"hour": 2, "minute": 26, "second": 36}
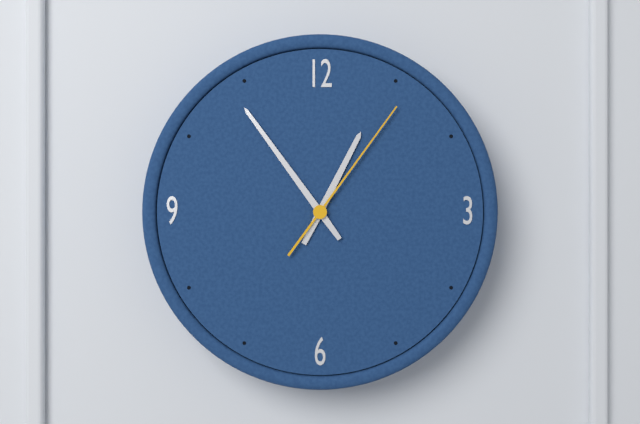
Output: {"hour": 12, "minute": 54, "second": 6}
